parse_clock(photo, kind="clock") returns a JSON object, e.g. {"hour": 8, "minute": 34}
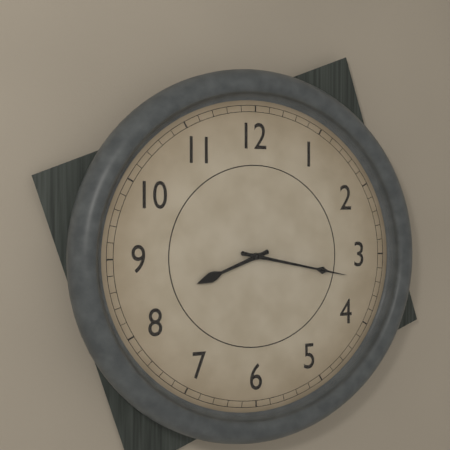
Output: {"hour": 8, "minute": 17}
